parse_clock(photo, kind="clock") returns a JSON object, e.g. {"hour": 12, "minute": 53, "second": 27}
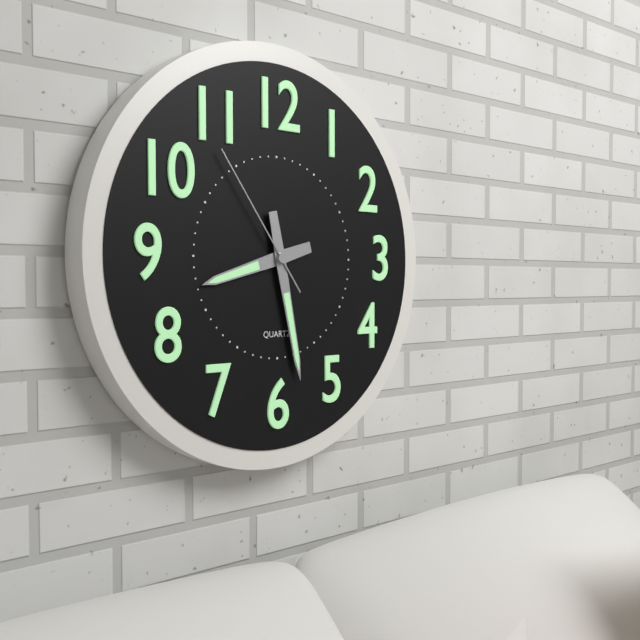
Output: {"hour": 8, "minute": 28, "second": 54}
